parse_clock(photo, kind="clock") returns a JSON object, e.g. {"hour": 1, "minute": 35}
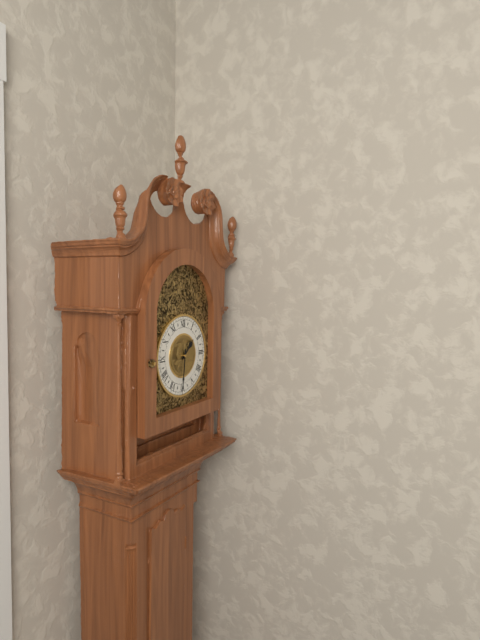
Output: {"hour": 1, "minute": 31}
